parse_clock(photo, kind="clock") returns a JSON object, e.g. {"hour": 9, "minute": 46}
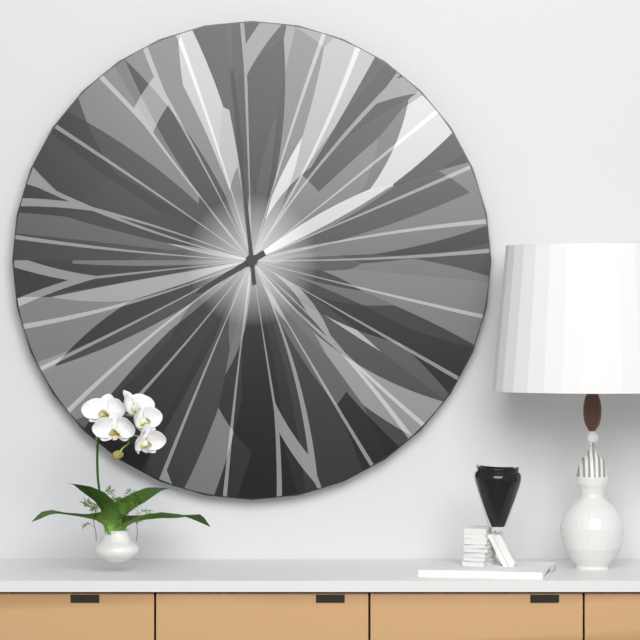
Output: {"hour": 7, "minute": 59}
